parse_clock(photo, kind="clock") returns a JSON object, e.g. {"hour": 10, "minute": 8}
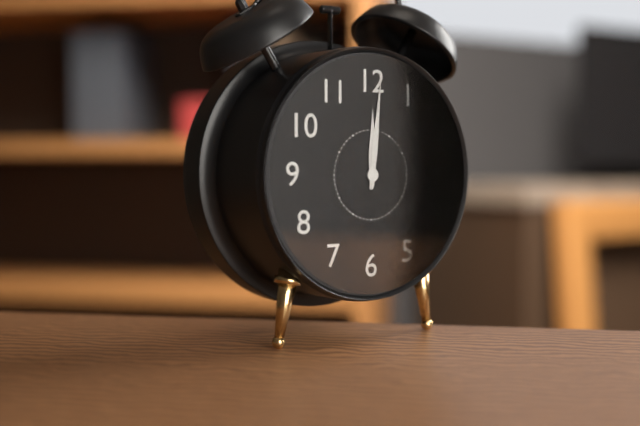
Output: {"hour": 12, "minute": 1}
